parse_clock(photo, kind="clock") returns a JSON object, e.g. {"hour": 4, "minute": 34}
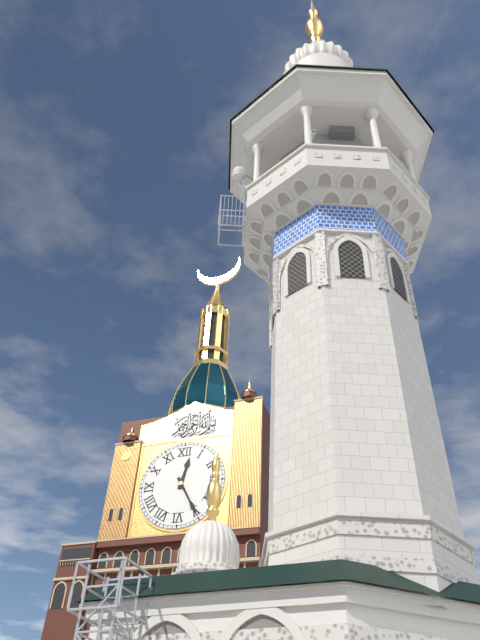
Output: {"hour": 12, "minute": 25}
